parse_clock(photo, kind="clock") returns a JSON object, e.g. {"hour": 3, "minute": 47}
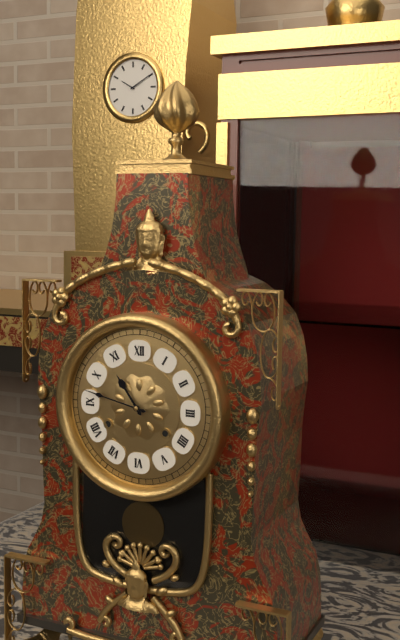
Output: {"hour": 10, "minute": 47}
